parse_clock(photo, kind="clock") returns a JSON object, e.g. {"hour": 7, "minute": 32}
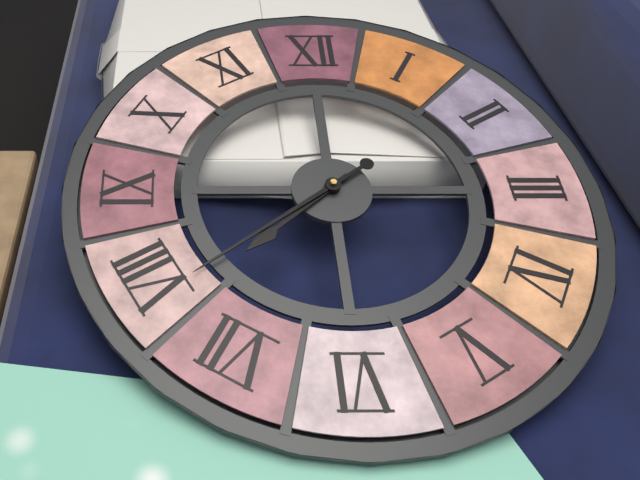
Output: {"hour": 7, "minute": 39}
